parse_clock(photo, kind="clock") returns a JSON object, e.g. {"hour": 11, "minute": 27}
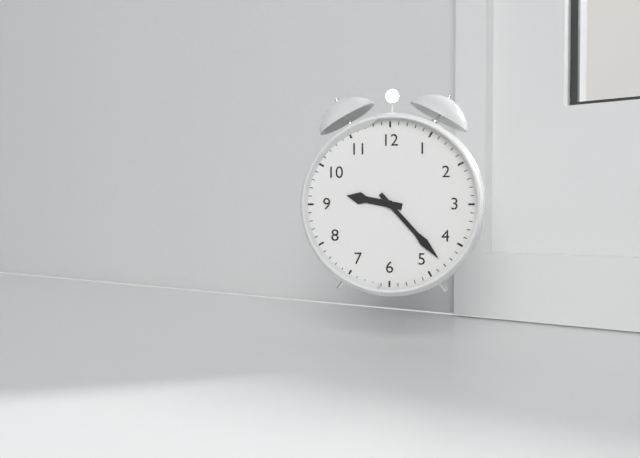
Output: {"hour": 9, "minute": 23}
